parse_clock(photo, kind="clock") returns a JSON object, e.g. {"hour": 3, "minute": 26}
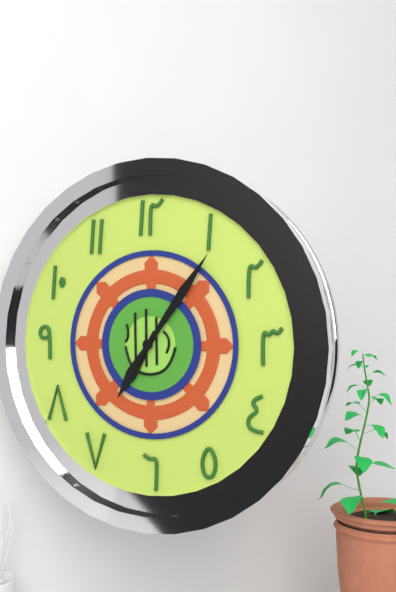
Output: {"hour": 7, "minute": 6}
